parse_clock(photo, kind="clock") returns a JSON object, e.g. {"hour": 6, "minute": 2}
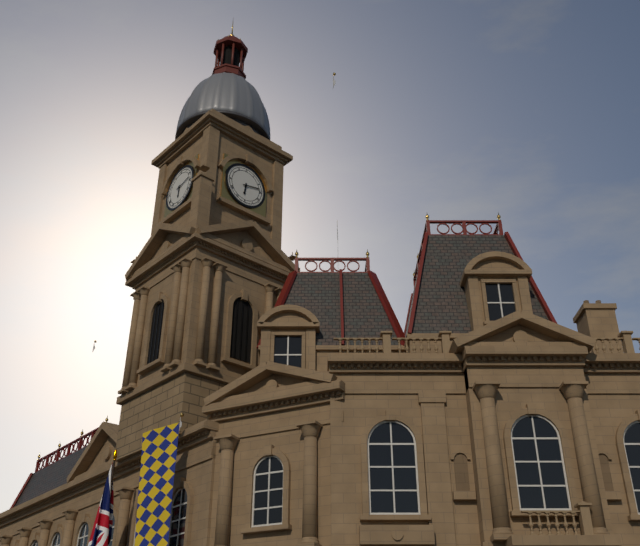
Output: {"hour": 6, "minute": 13}
